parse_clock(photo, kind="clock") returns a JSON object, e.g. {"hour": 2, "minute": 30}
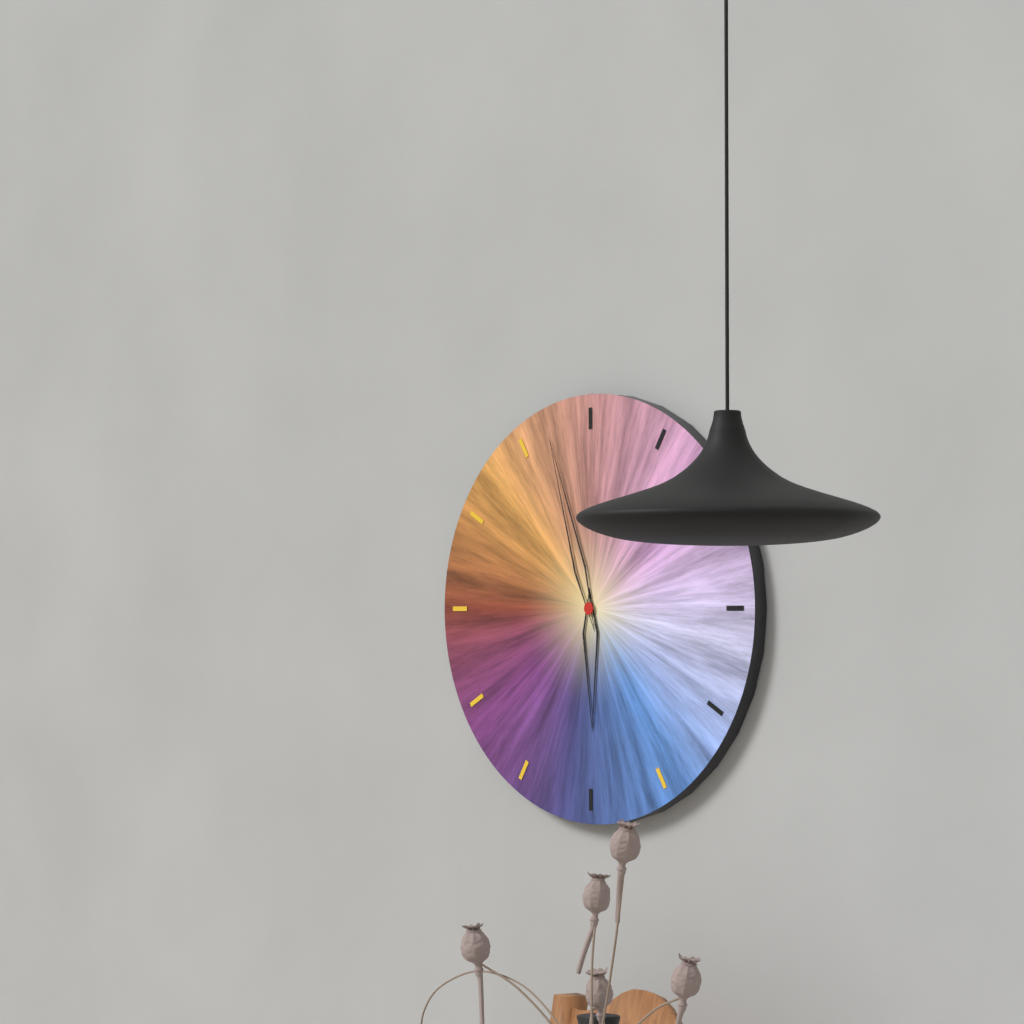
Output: {"hour": 5, "minute": 57}
